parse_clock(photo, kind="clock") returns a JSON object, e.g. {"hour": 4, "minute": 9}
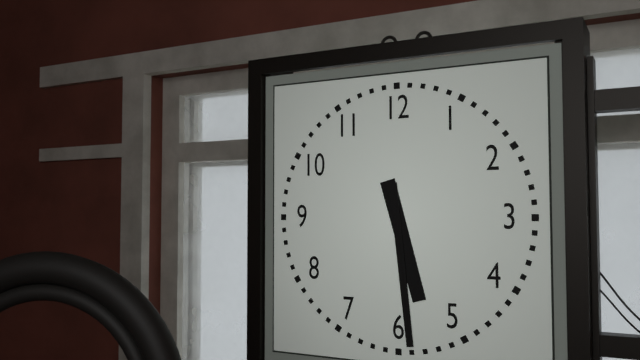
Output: {"hour": 5, "minute": 29}
